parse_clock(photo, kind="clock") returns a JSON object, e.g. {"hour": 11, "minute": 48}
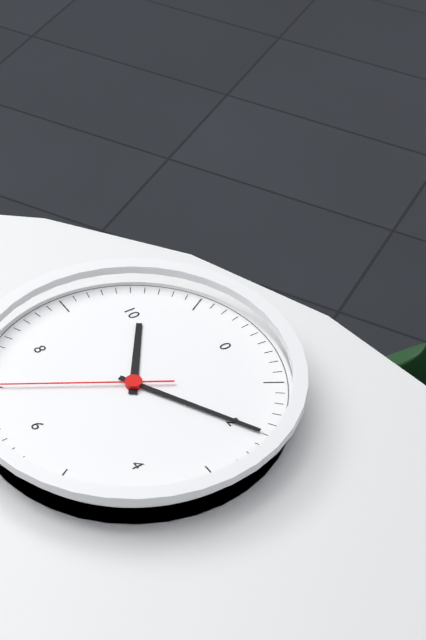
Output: {"hour": 10, "minute": 10}
